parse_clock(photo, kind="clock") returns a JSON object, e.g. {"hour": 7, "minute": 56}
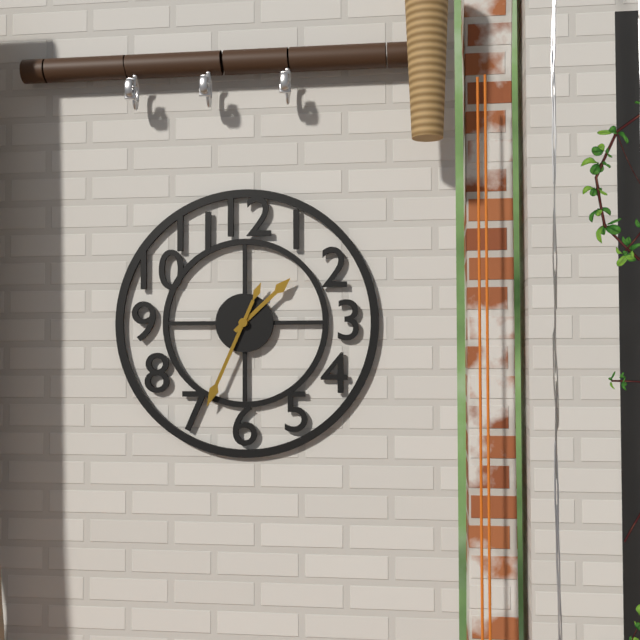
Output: {"hour": 1, "minute": 34}
